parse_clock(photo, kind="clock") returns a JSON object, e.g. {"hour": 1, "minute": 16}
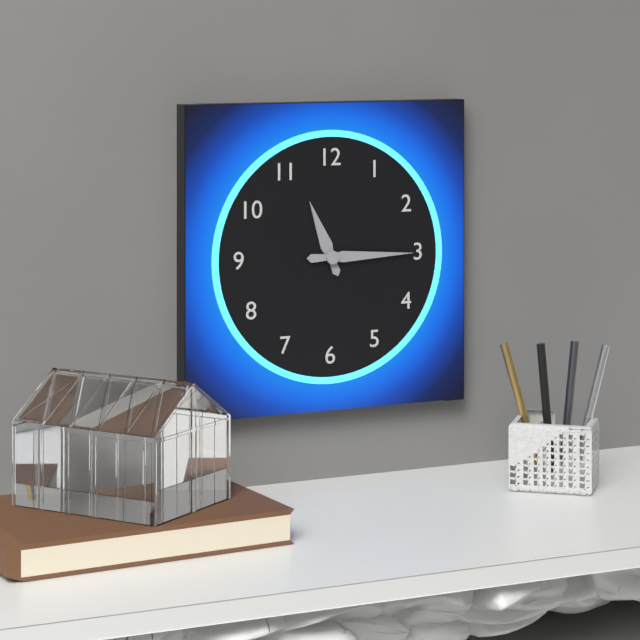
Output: {"hour": 11, "minute": 15}
